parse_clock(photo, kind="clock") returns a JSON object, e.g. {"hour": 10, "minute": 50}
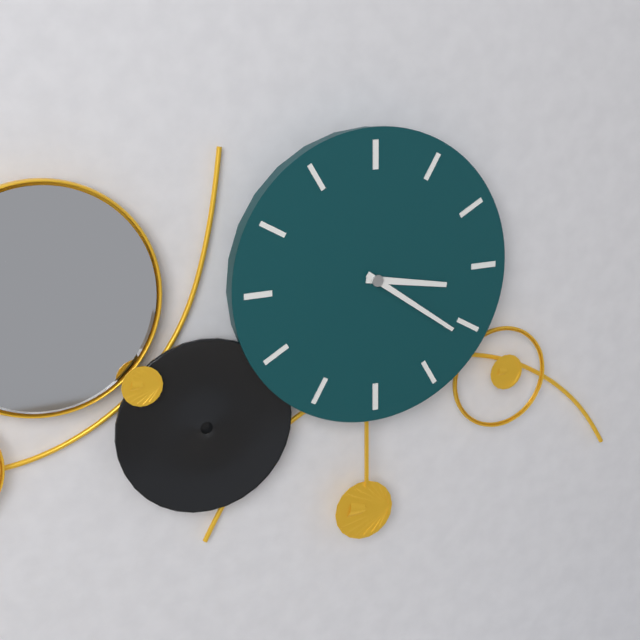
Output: {"hour": 3, "minute": 21}
